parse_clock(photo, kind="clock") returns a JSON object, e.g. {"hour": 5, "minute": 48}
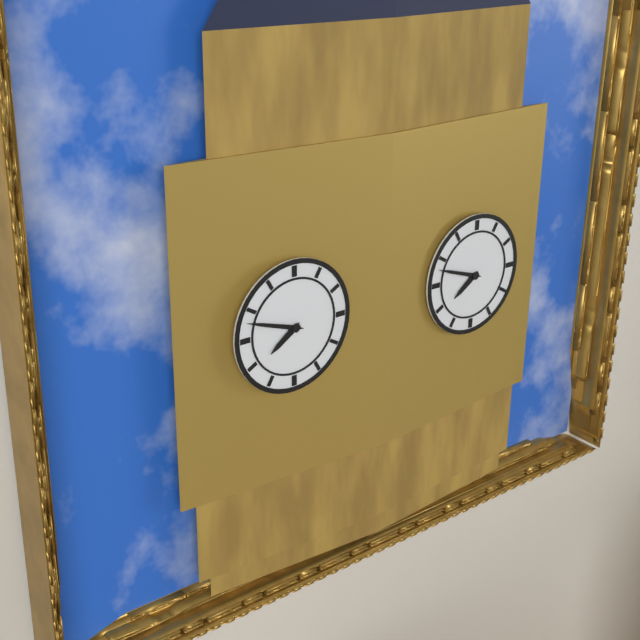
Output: {"hour": 7, "minute": 48}
